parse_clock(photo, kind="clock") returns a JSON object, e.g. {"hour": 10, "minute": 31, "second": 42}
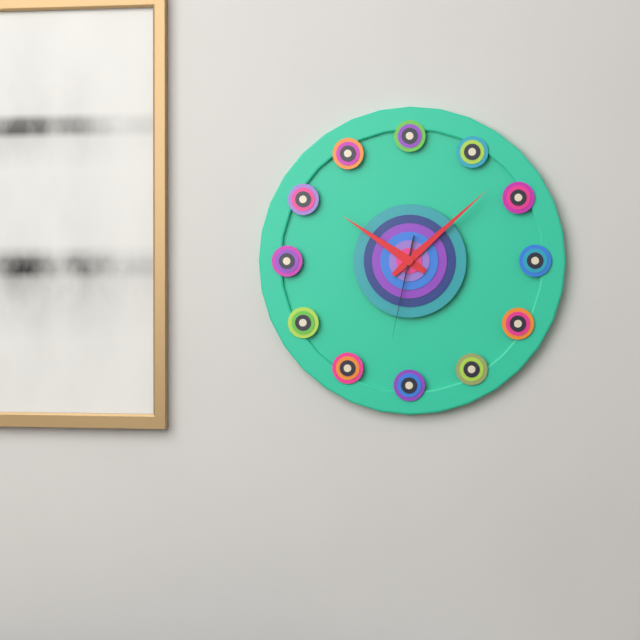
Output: {"hour": 10, "minute": 8, "second": 32}
